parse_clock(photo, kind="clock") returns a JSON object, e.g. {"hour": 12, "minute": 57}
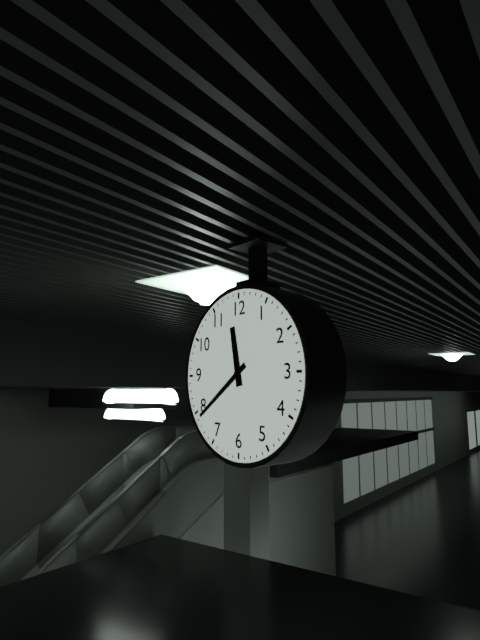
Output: {"hour": 11, "minute": 39}
